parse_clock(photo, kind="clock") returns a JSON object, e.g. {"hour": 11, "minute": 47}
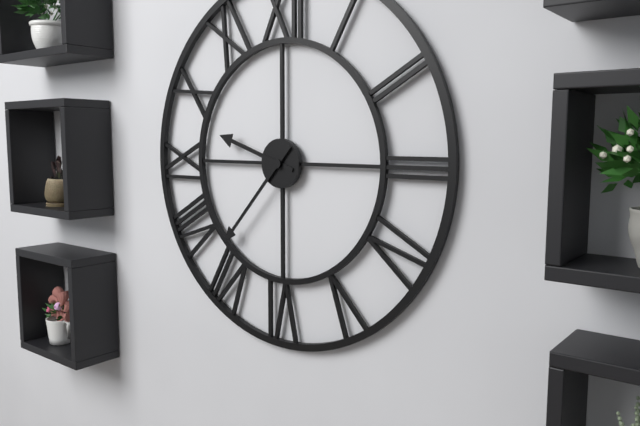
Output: {"hour": 9, "minute": 37}
